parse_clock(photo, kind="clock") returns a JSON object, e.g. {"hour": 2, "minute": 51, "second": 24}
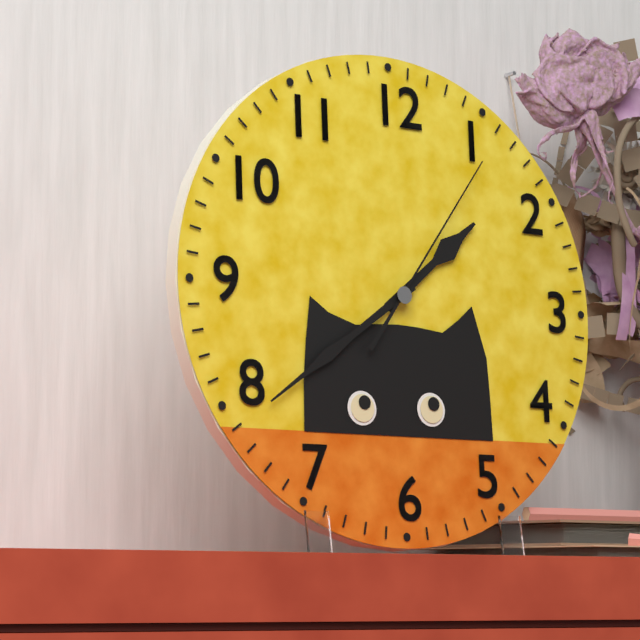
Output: {"hour": 1, "minute": 39, "second": 6}
